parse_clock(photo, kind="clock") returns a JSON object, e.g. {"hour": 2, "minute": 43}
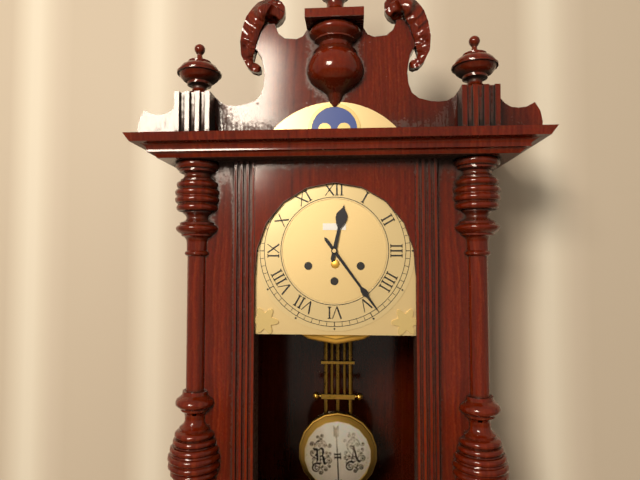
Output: {"hour": 12, "minute": 24}
